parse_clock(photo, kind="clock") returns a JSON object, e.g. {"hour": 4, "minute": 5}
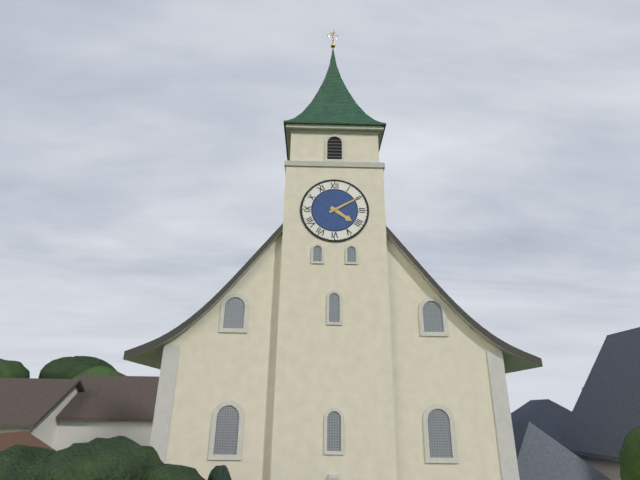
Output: {"hour": 4, "minute": 10}
